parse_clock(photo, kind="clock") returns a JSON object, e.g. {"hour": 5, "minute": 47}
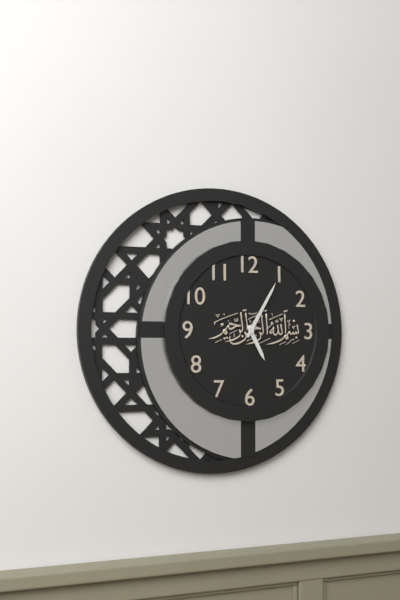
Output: {"hour": 5, "minute": 5}
